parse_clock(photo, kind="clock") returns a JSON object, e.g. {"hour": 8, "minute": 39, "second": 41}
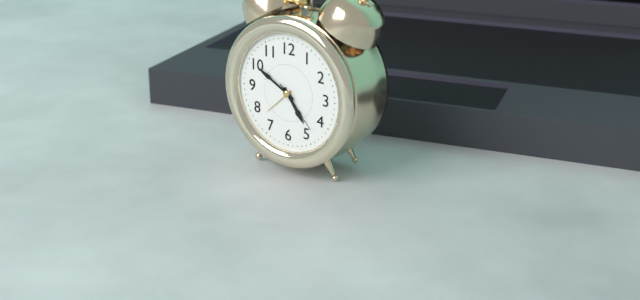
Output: {"hour": 4, "minute": 50, "second": 23}
